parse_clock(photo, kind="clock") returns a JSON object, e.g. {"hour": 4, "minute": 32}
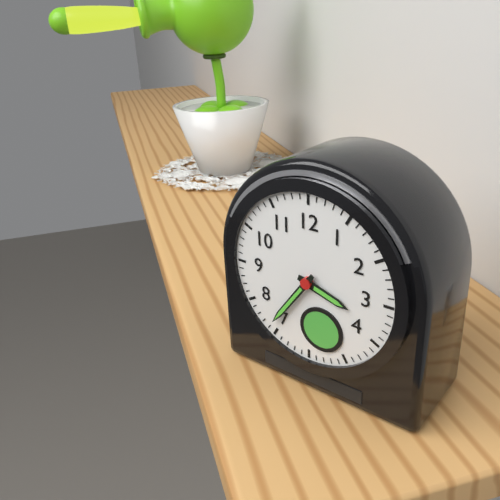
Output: {"hour": 3, "minute": 36}
